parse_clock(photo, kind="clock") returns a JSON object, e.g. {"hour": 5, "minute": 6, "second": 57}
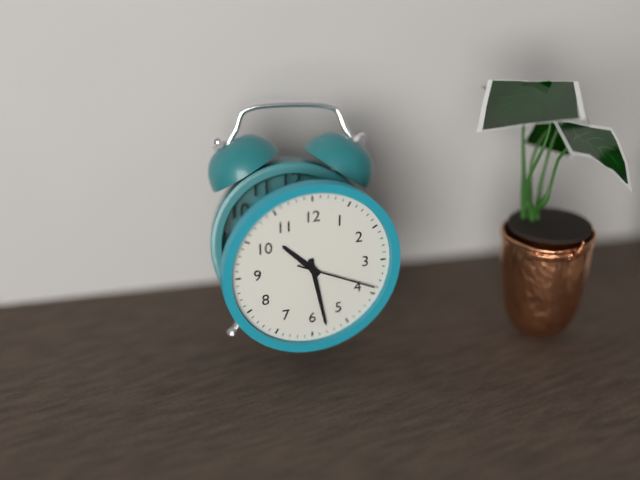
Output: {"hour": 10, "minute": 28, "second": 19}
